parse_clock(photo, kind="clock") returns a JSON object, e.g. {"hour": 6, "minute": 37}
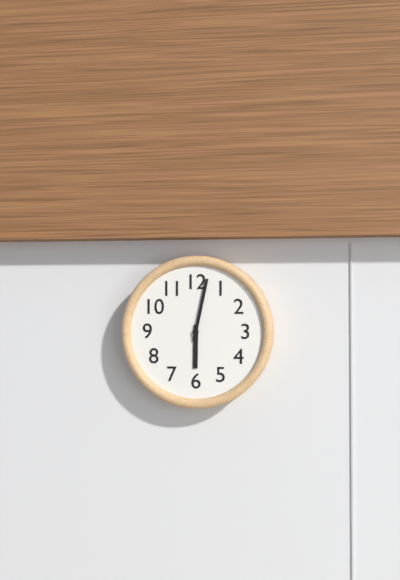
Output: {"hour": 6, "minute": 2}
